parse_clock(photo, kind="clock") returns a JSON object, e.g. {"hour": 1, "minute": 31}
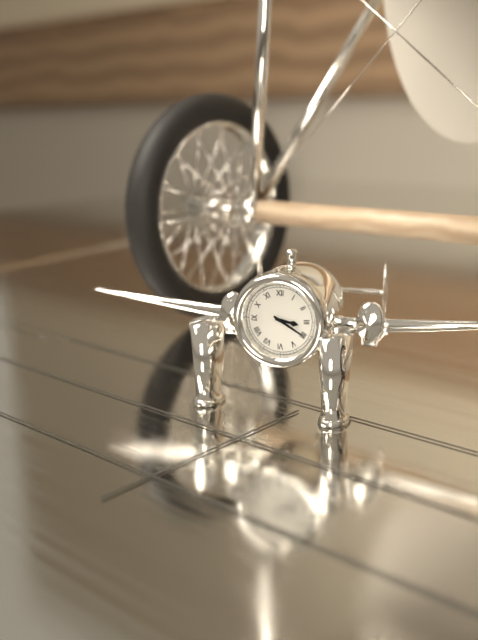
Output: {"hour": 3, "minute": 20}
